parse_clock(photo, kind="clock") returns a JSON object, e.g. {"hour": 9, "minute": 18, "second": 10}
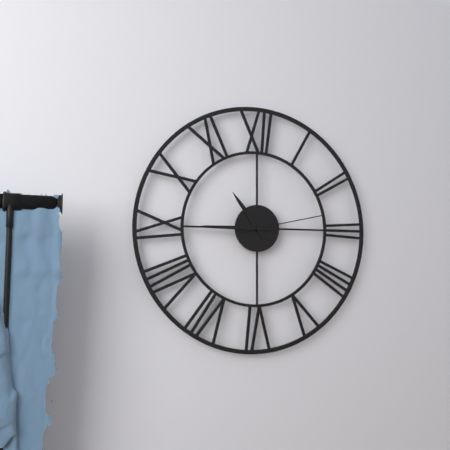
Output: {"hour": 10, "minute": 45, "second": 13}
